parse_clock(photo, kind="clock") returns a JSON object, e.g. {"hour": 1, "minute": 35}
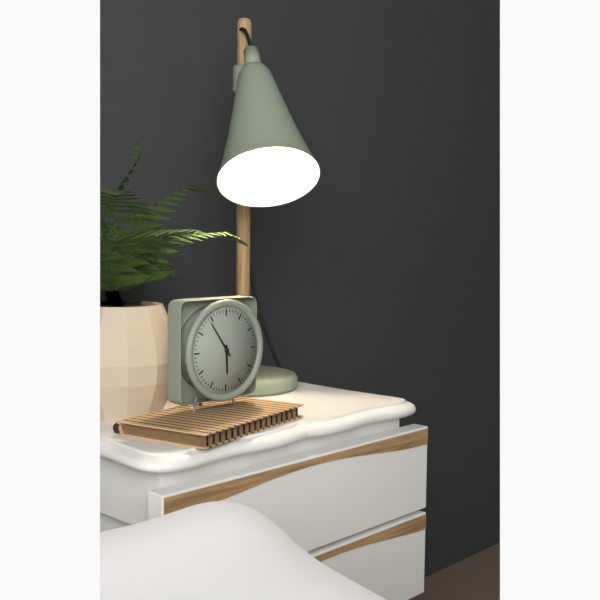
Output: {"hour": 5, "minute": 54}
